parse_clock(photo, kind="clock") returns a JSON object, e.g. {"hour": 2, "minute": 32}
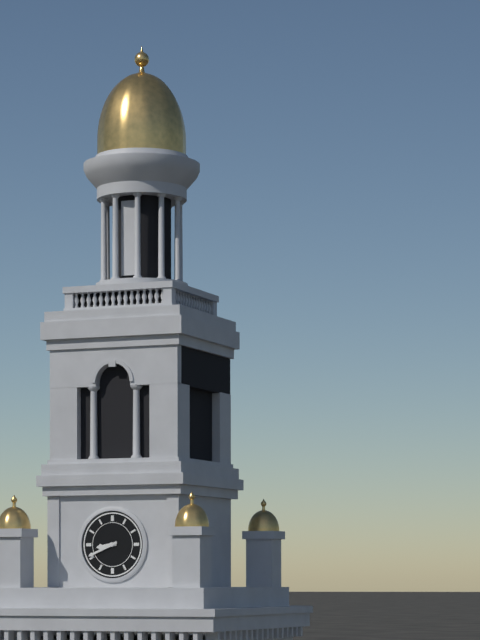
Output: {"hour": 8, "minute": 41}
